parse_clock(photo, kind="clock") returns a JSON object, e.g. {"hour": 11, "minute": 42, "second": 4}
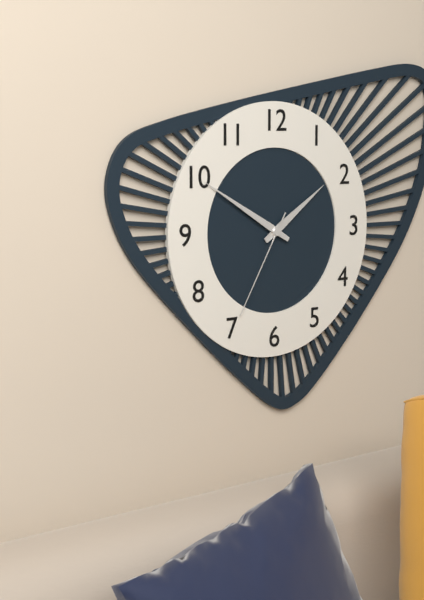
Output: {"hour": 1, "minute": 50, "second": 35}
